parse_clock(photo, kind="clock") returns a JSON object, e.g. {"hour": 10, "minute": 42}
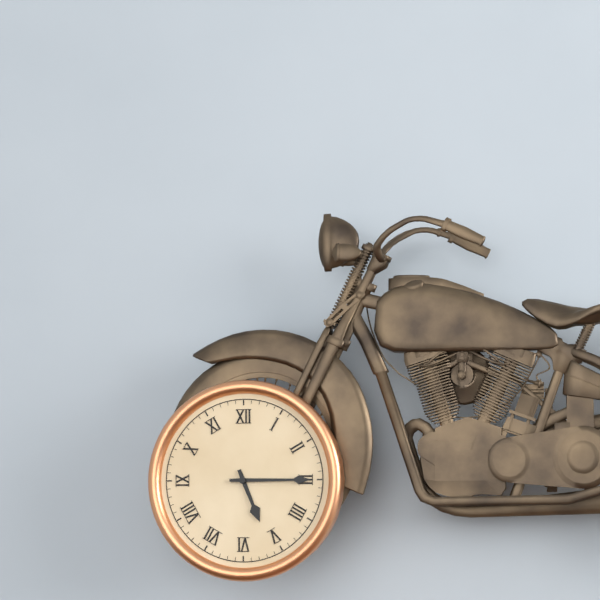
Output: {"hour": 5, "minute": 15}
